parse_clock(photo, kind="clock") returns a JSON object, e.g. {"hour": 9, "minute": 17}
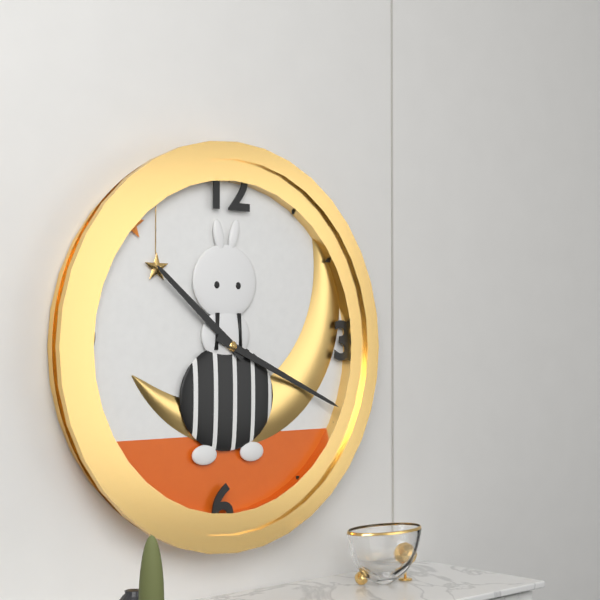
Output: {"hour": 10, "minute": 19}
